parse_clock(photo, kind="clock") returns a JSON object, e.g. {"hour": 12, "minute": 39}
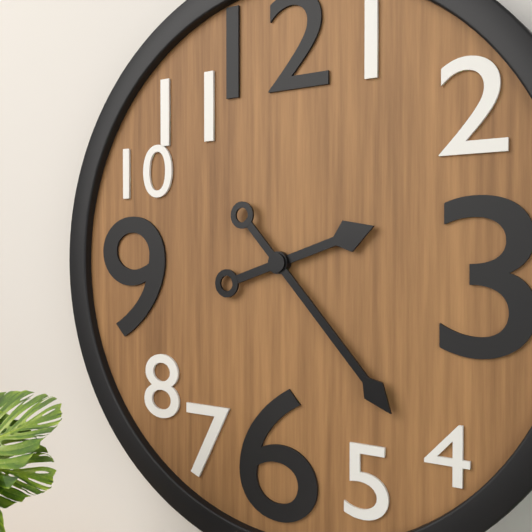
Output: {"hour": 2, "minute": 23}
